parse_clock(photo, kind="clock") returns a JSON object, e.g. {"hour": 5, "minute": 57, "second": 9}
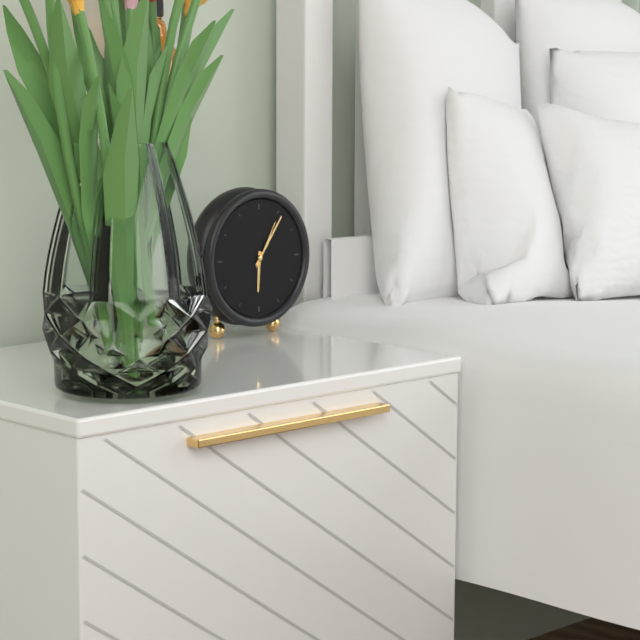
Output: {"hour": 6, "minute": 6, "second": 5}
